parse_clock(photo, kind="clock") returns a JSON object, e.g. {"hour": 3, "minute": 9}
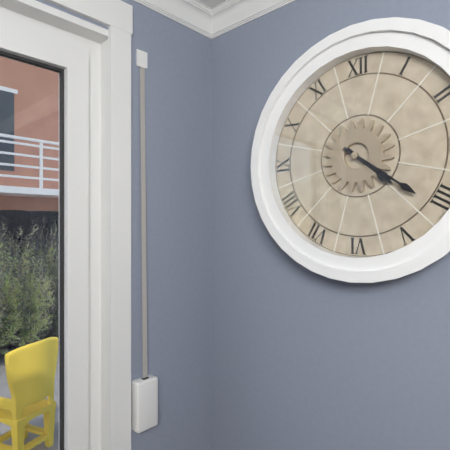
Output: {"hour": 4, "minute": 21}
